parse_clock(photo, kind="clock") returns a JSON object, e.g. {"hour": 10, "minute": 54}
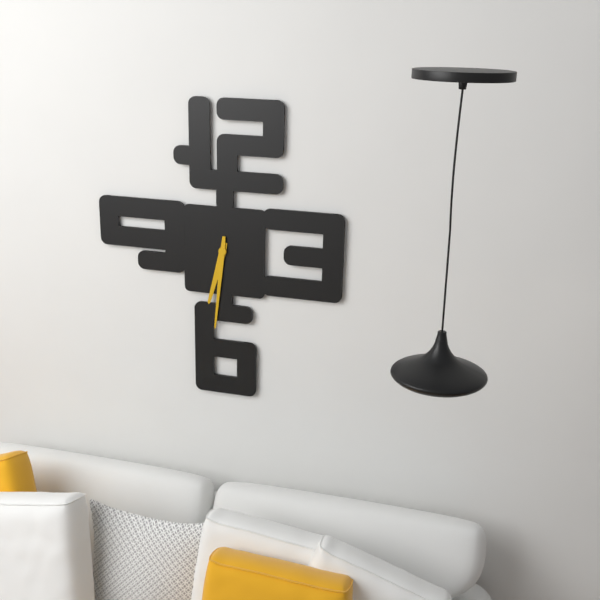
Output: {"hour": 6, "minute": 31}
